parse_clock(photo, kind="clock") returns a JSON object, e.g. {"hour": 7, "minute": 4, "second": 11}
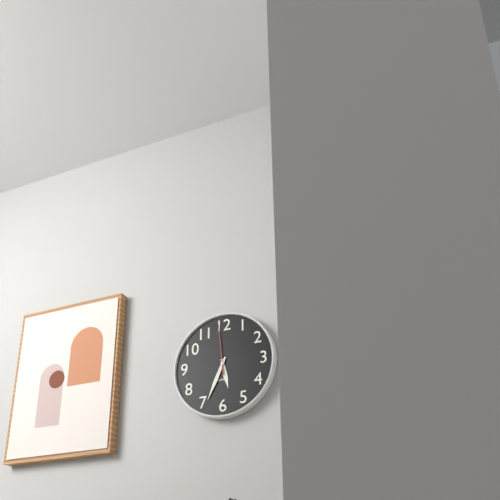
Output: {"hour": 5, "minute": 34, "second": 59}
